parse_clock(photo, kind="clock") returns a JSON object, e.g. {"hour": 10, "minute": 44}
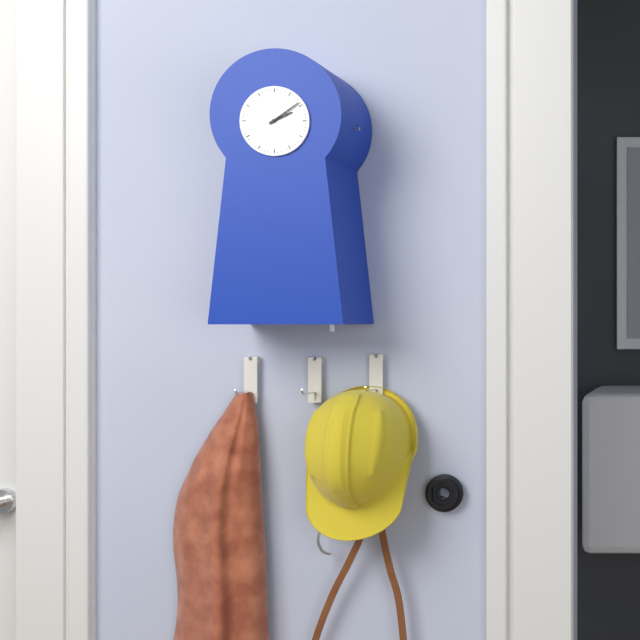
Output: {"hour": 2, "minute": 9}
